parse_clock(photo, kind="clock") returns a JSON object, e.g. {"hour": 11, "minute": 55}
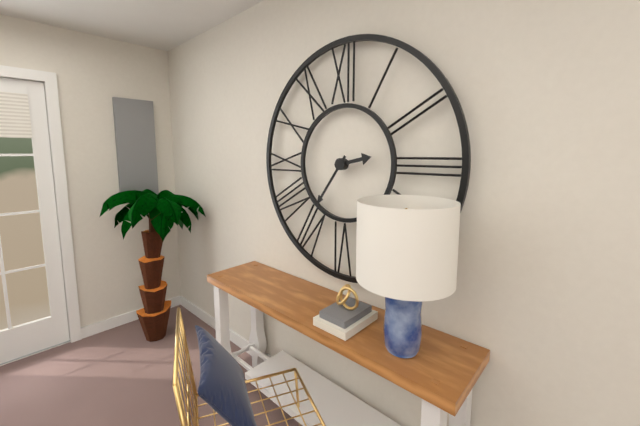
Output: {"hour": 2, "minute": 36}
